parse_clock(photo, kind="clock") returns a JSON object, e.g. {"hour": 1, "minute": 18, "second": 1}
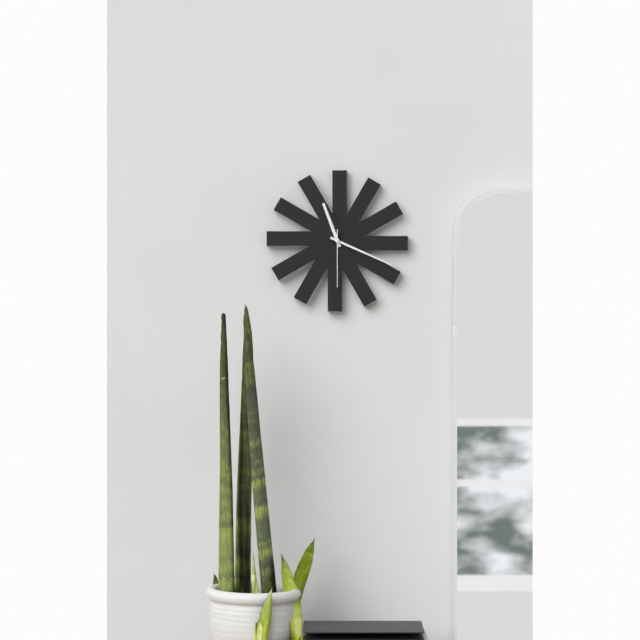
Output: {"hour": 11, "minute": 19, "second": 30}
